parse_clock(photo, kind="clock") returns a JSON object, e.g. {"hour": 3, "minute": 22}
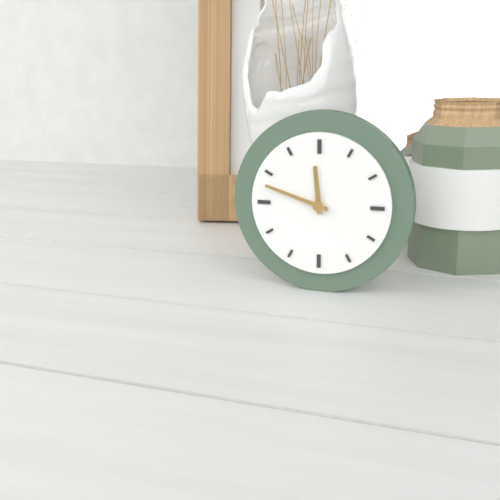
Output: {"hour": 11, "minute": 48}
